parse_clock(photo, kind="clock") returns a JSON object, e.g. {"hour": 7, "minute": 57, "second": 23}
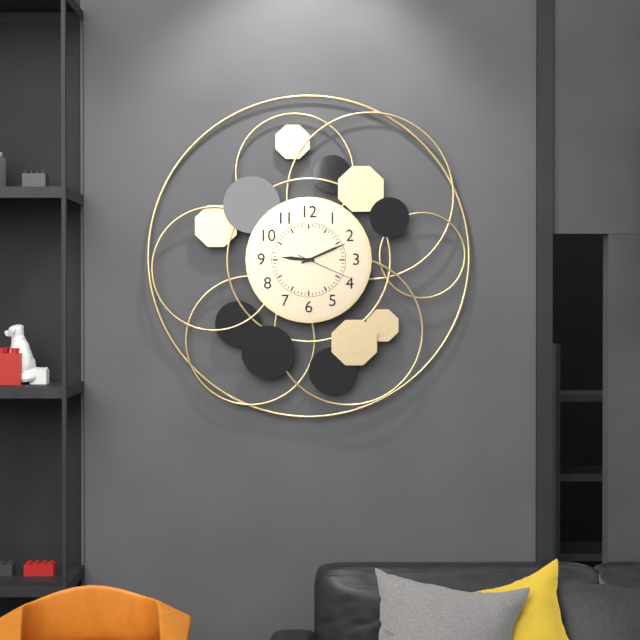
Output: {"hour": 9, "minute": 11, "second": 19}
